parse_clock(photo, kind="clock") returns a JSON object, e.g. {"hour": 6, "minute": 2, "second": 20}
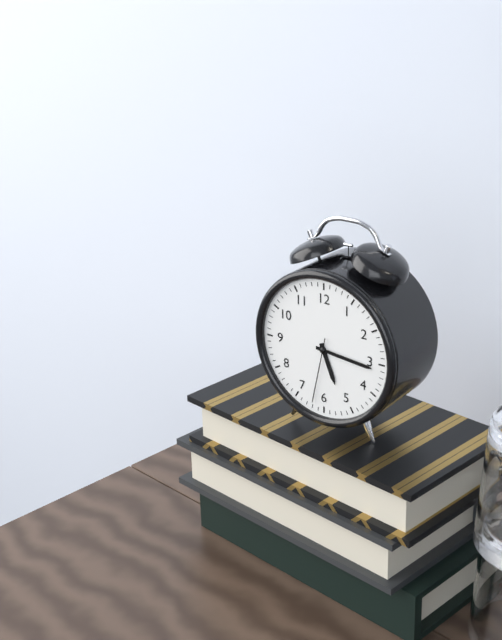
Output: {"hour": 5, "minute": 16, "second": 32}
